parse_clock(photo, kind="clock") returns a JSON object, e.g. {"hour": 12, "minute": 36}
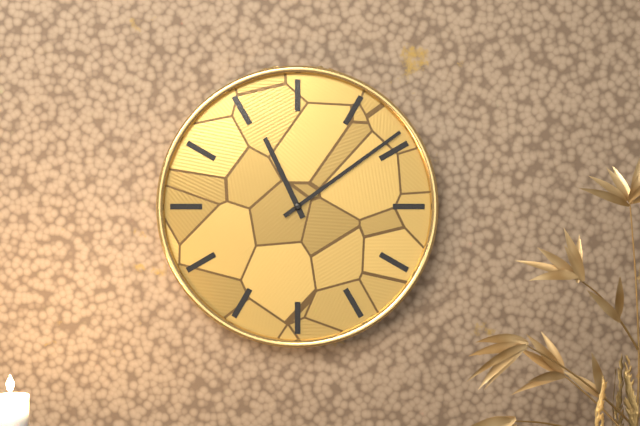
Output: {"hour": 11, "minute": 9}
